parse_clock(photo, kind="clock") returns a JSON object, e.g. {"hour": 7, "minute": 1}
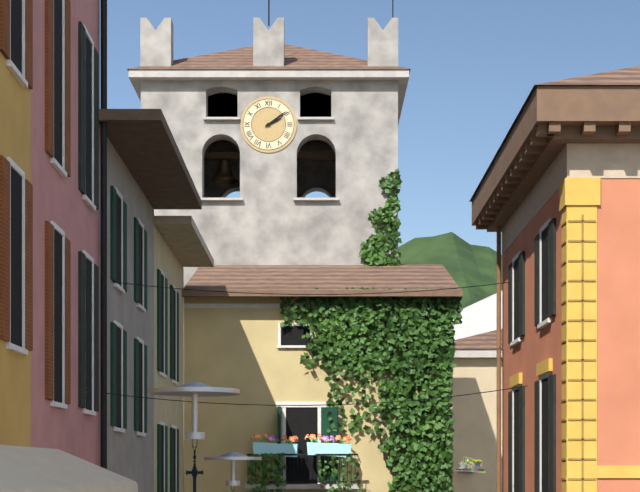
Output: {"hour": 2, "minute": 9}
